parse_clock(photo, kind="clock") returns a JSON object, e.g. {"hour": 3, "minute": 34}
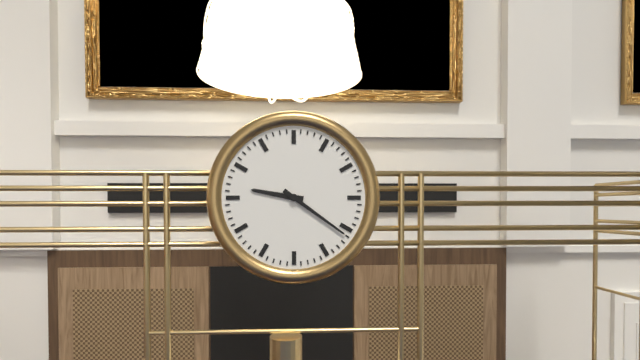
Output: {"hour": 9, "minute": 21}
